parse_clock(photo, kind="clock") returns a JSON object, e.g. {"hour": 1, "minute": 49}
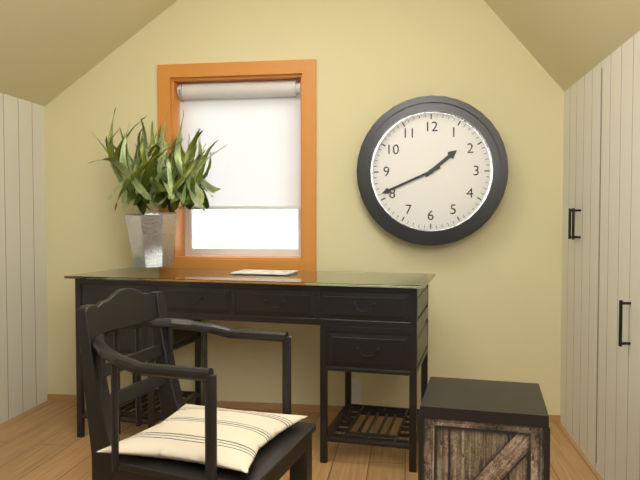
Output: {"hour": 1, "minute": 41}
